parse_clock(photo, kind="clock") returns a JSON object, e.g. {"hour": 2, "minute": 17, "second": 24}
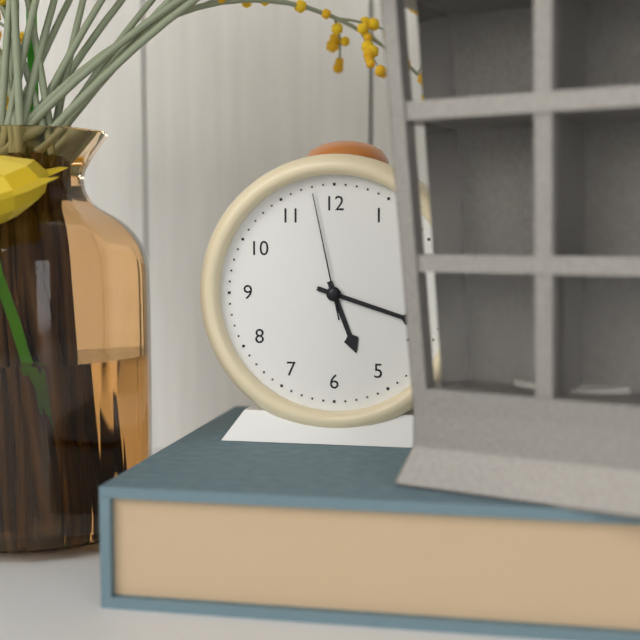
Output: {"hour": 5, "minute": 18, "second": 58}
